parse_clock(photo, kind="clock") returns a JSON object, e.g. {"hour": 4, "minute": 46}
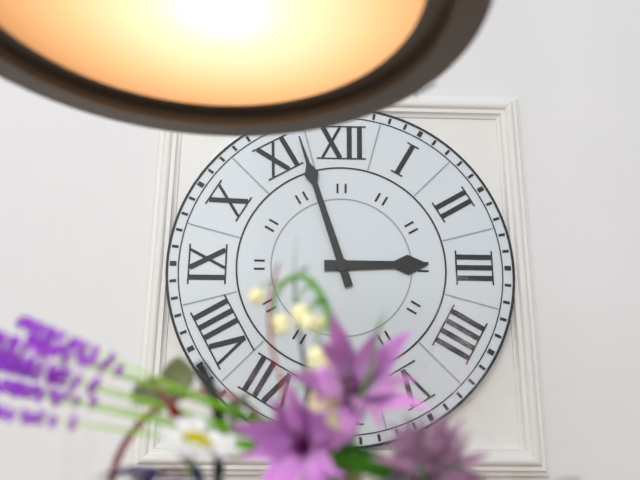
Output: {"hour": 2, "minute": 57}
